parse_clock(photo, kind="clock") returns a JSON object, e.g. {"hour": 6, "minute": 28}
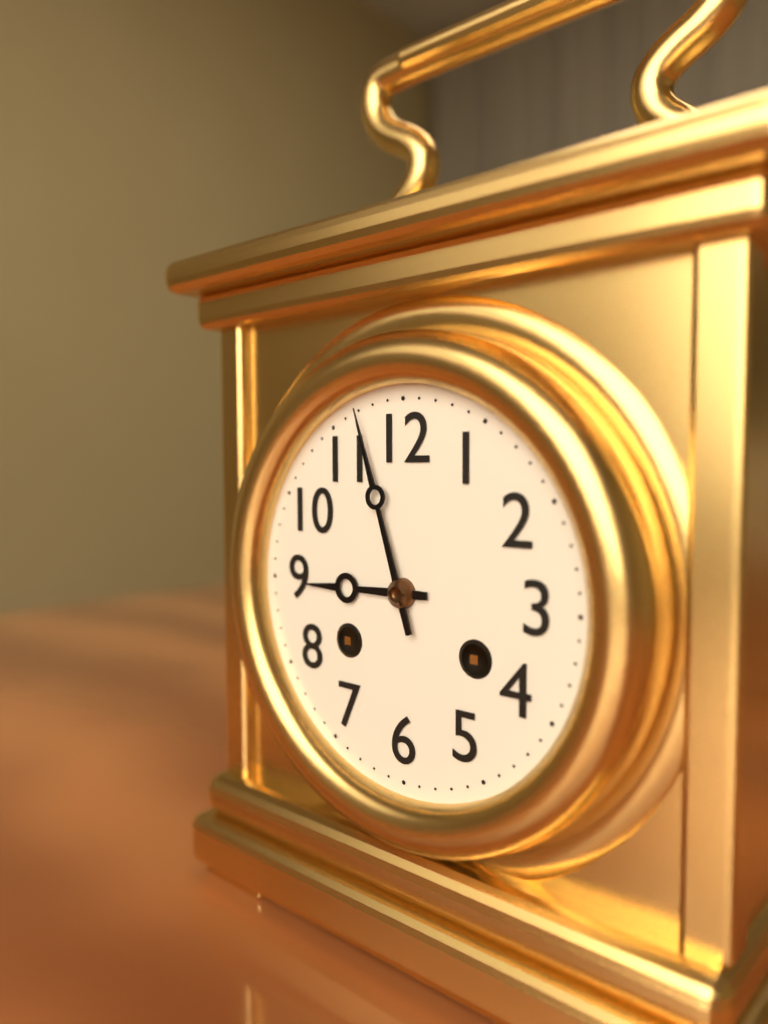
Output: {"hour": 8, "minute": 57}
